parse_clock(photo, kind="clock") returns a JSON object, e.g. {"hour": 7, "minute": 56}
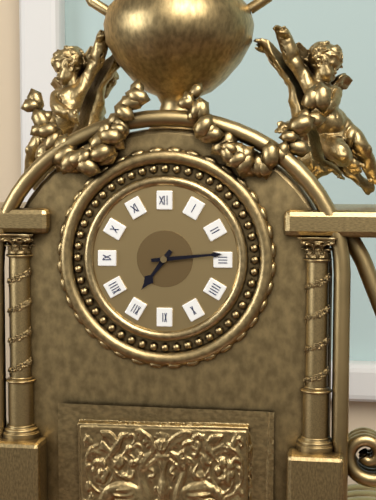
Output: {"hour": 7, "minute": 14}
